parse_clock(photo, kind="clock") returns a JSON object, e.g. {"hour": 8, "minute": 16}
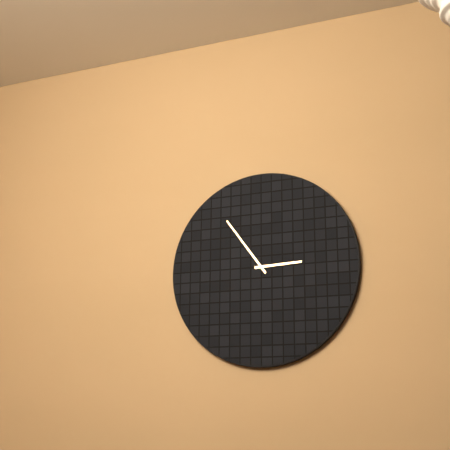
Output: {"hour": 2, "minute": 54}
